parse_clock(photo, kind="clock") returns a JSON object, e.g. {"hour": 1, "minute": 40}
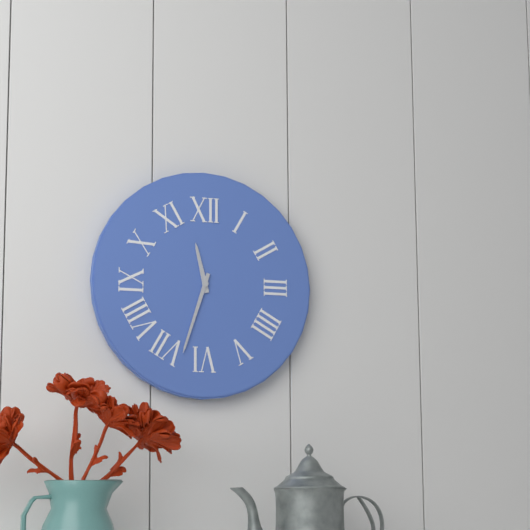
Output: {"hour": 11, "minute": 33}
